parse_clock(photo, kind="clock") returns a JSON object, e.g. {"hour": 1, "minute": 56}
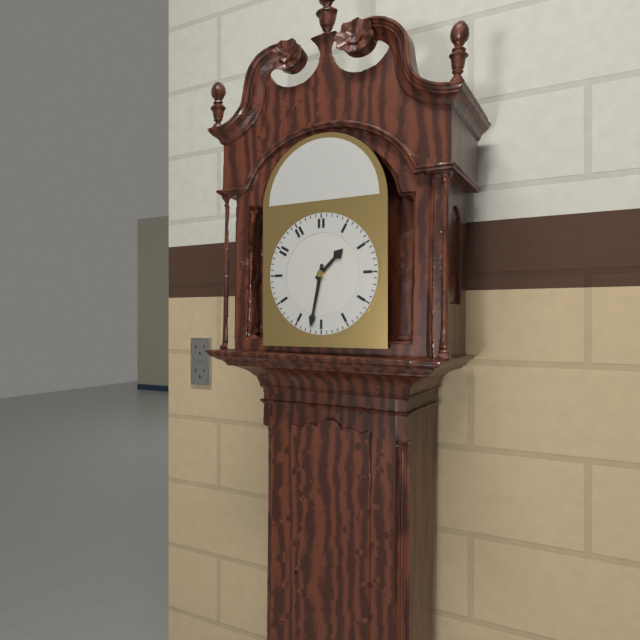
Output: {"hour": 1, "minute": 32}
